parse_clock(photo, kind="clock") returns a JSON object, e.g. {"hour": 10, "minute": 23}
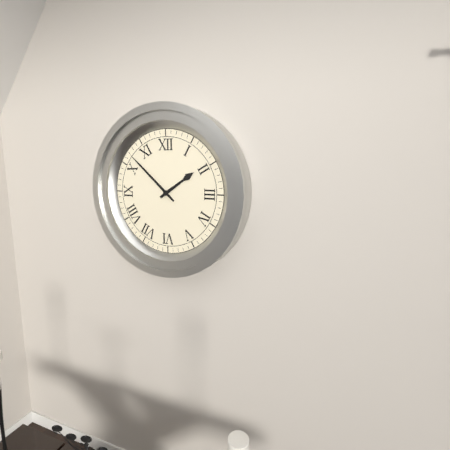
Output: {"hour": 1, "minute": 52}
